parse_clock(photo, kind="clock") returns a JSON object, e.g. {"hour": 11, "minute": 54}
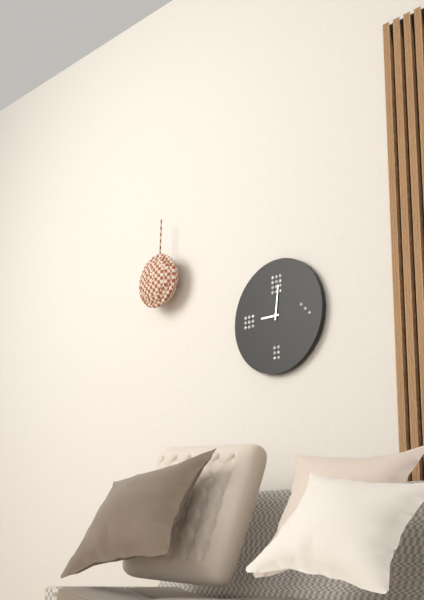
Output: {"hour": 9, "minute": 1}
